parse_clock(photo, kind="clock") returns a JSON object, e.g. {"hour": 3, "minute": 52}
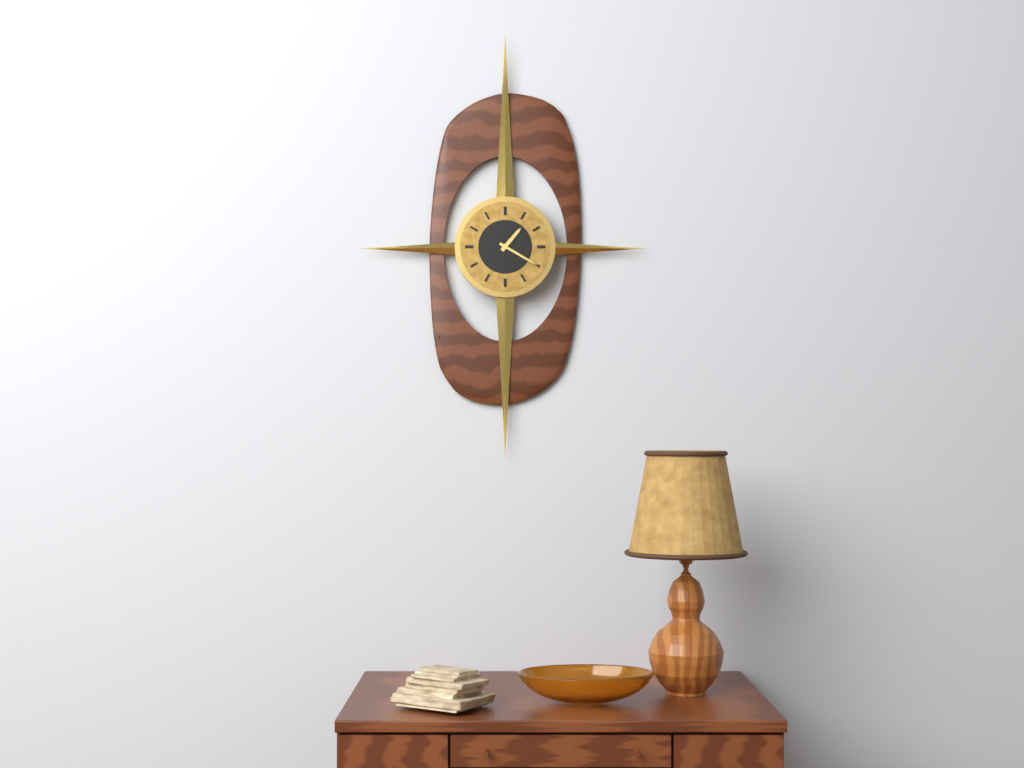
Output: {"hour": 1, "minute": 20}
